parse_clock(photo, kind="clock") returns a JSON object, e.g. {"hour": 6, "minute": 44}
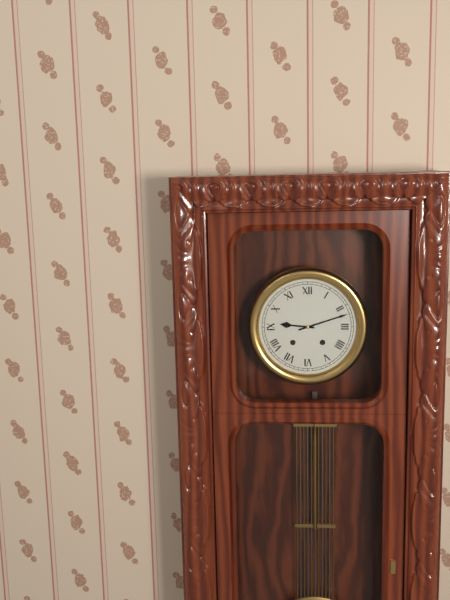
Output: {"hour": 9, "minute": 12}
